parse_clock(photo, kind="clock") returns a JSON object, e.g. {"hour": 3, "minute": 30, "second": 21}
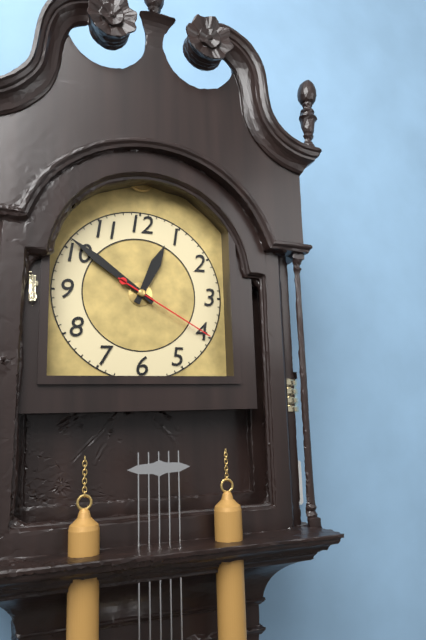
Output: {"hour": 12, "minute": 51, "second": 20}
